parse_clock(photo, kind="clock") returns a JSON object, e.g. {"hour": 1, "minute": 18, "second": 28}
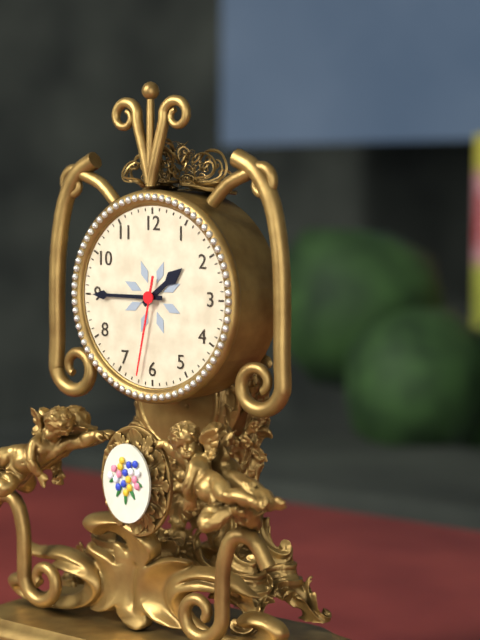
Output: {"hour": 1, "minute": 45, "second": 32}
